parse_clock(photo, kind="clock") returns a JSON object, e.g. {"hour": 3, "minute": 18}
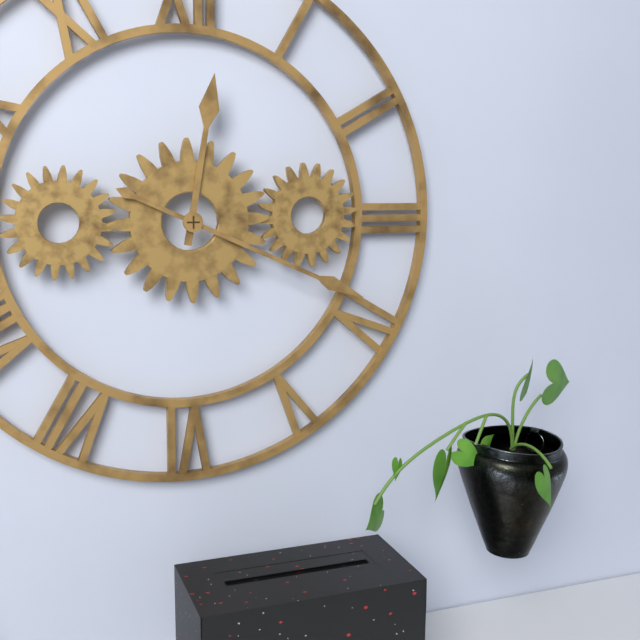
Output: {"hour": 12, "minute": 19}
